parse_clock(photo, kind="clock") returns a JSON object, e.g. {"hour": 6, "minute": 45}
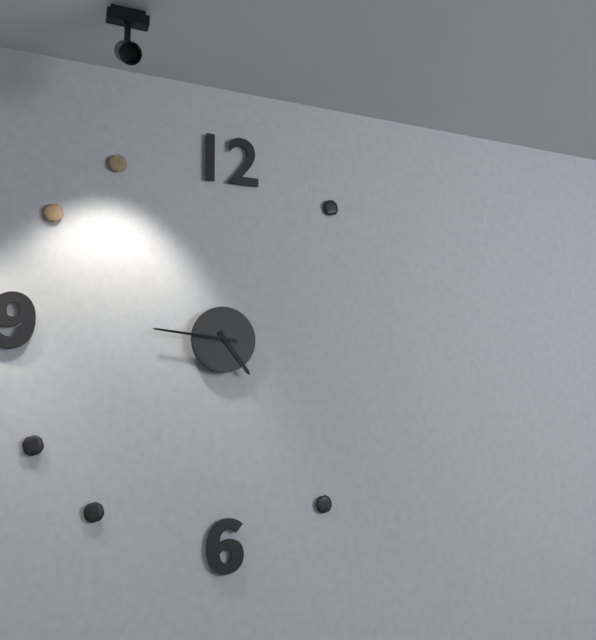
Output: {"hour": 4, "minute": 46}
